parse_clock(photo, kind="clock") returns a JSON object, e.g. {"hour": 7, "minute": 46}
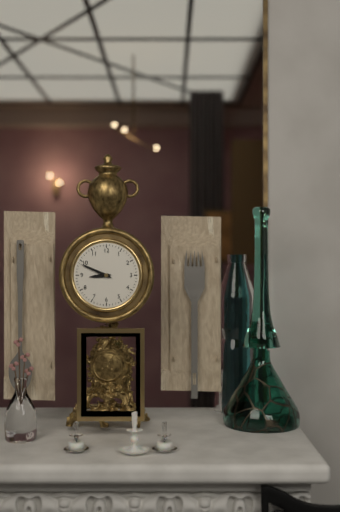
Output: {"hour": 8, "minute": 49}
